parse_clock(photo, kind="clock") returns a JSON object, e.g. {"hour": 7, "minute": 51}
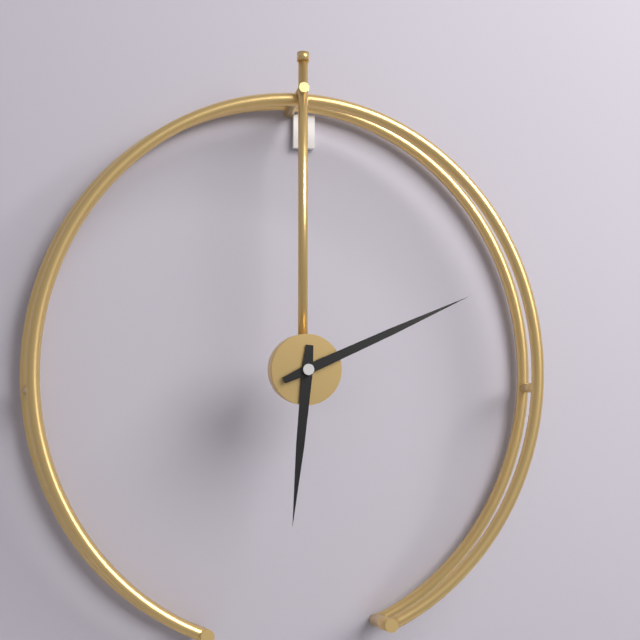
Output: {"hour": 6, "minute": 11}
